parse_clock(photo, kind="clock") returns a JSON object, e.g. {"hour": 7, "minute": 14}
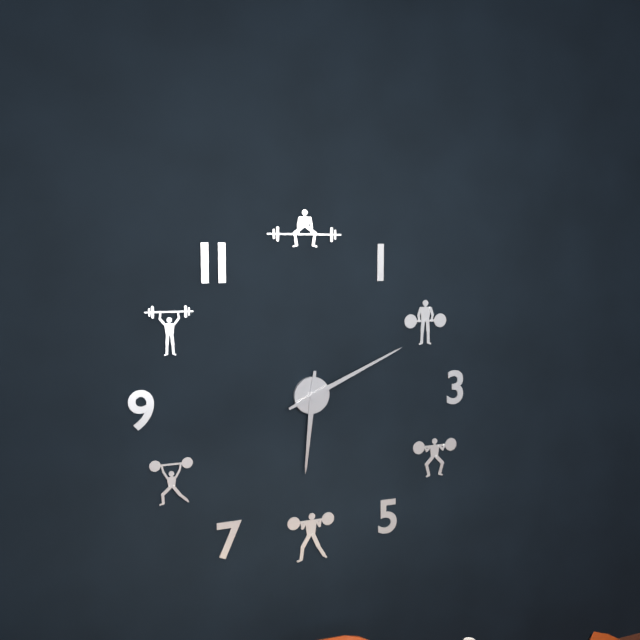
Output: {"hour": 6, "minute": 11}
